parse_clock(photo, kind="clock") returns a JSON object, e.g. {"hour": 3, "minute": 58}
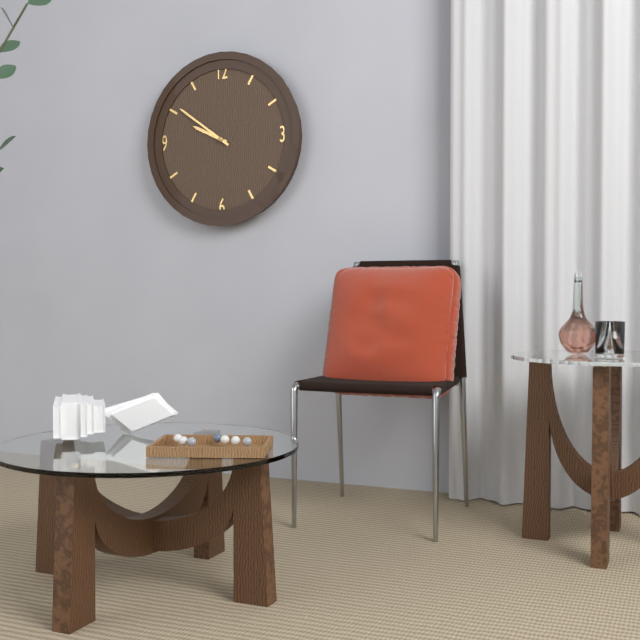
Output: {"hour": 9, "minute": 51}
